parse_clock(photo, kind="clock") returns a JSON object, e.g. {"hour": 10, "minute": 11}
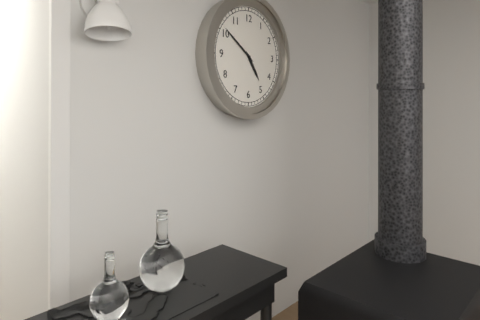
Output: {"hour": 4, "minute": 51}
